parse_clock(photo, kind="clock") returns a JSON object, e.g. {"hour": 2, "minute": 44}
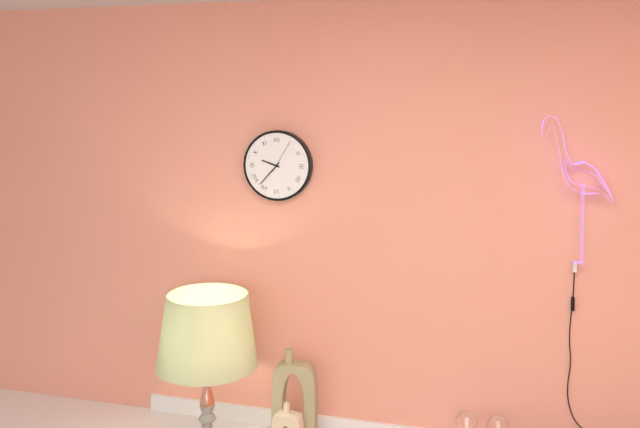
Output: {"hour": 9, "minute": 37}
